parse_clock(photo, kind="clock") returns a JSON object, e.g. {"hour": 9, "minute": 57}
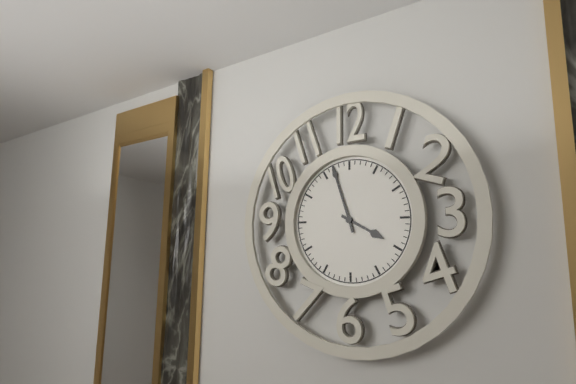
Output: {"hour": 3, "minute": 57}
